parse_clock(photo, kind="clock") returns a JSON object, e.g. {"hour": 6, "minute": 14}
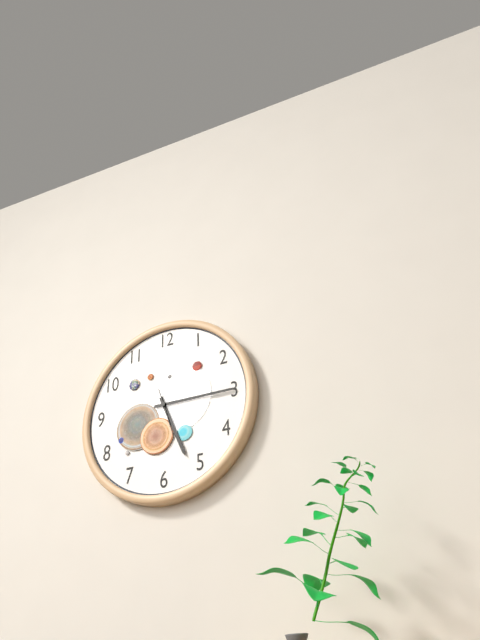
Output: {"hour": 5, "minute": 15}
